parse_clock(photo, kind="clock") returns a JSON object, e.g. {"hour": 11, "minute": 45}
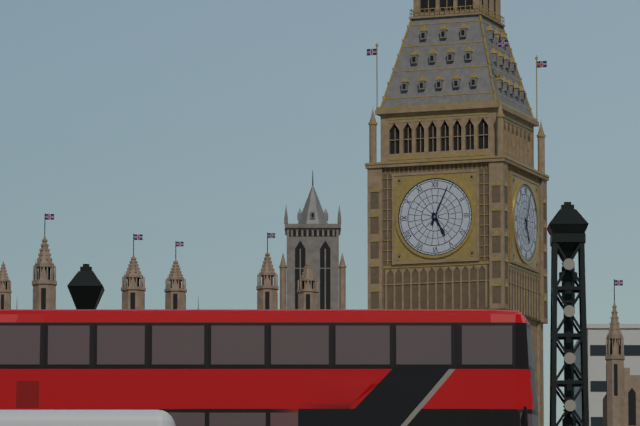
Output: {"hour": 5, "minute": 4}
